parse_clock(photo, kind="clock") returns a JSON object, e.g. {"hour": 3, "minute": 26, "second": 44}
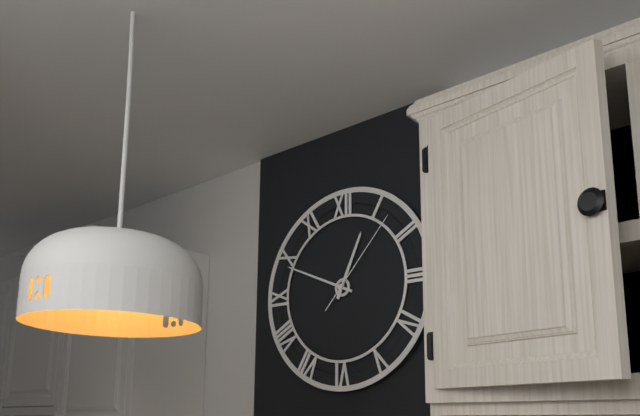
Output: {"hour": 12, "minute": 49, "second": 7}
